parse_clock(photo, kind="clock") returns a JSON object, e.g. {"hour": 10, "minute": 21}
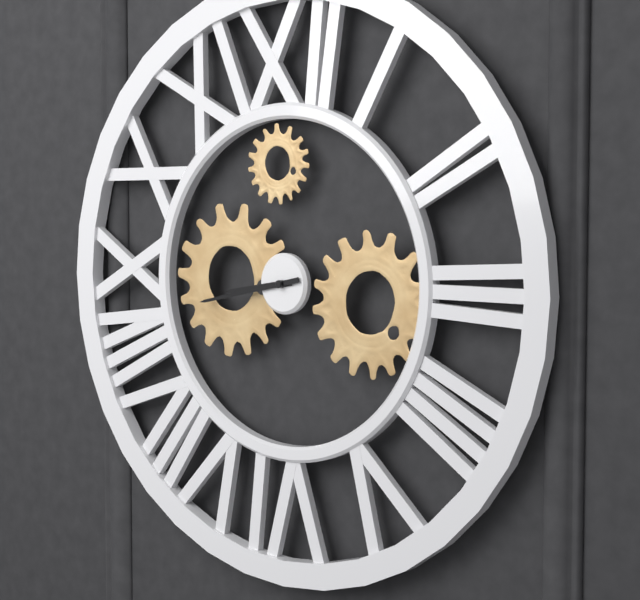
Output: {"hour": 8, "minute": 43}
